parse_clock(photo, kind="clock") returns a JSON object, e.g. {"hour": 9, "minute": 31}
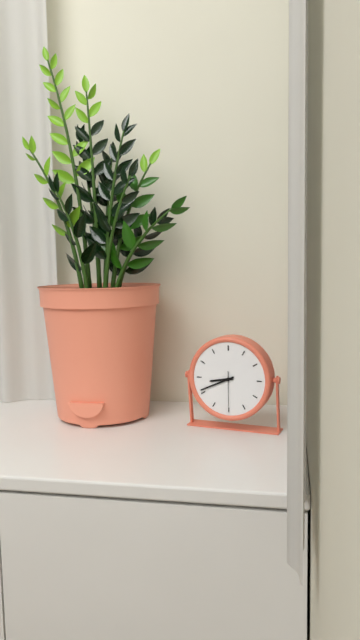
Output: {"hour": 8, "minute": 41}
